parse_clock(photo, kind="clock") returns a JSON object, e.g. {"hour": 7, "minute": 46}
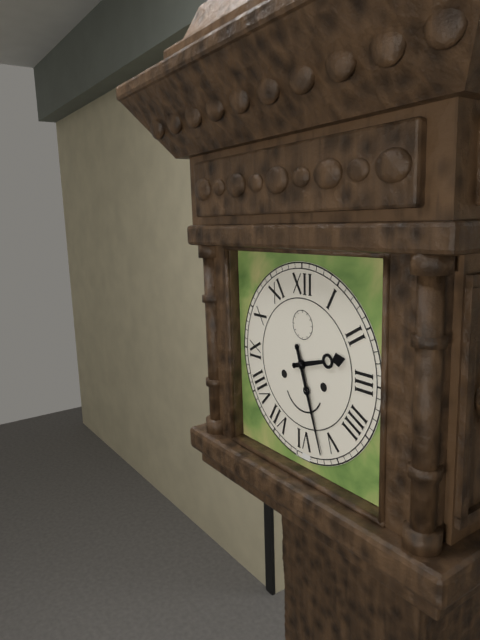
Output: {"hour": 2, "minute": 27}
